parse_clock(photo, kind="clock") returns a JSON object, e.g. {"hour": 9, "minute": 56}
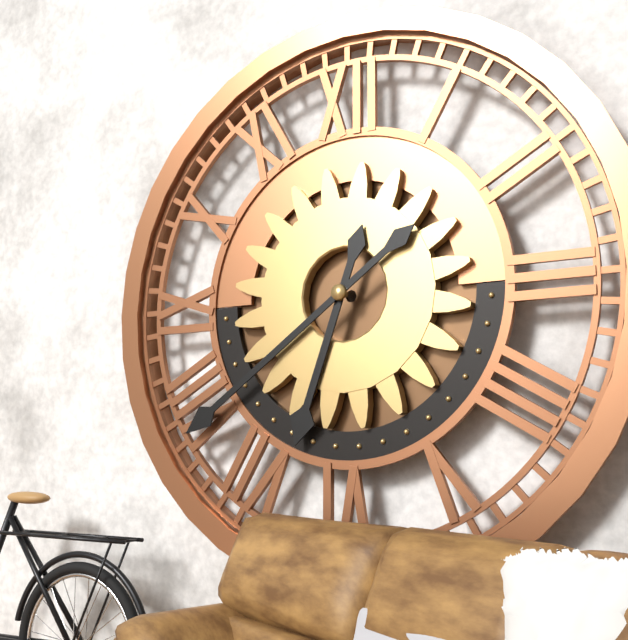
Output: {"hour": 6, "minute": 39}
